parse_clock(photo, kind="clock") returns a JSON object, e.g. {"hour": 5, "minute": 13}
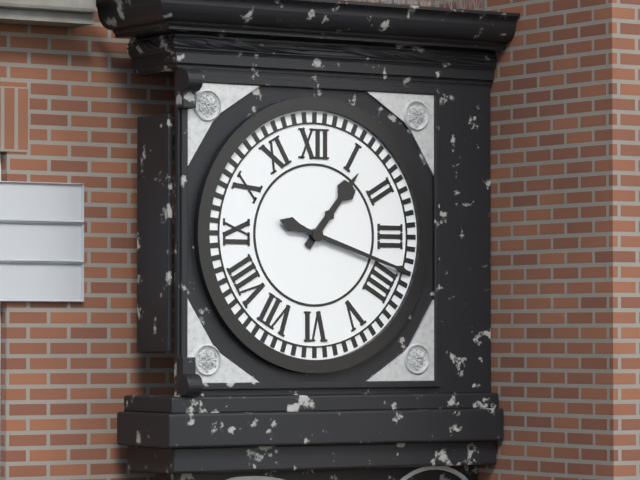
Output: {"hour": 1, "minute": 18}
